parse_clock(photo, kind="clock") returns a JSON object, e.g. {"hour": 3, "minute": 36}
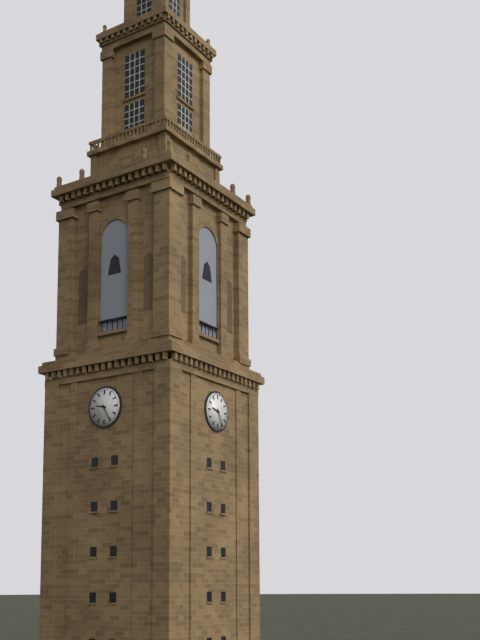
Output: {"hour": 9, "minute": 25}
